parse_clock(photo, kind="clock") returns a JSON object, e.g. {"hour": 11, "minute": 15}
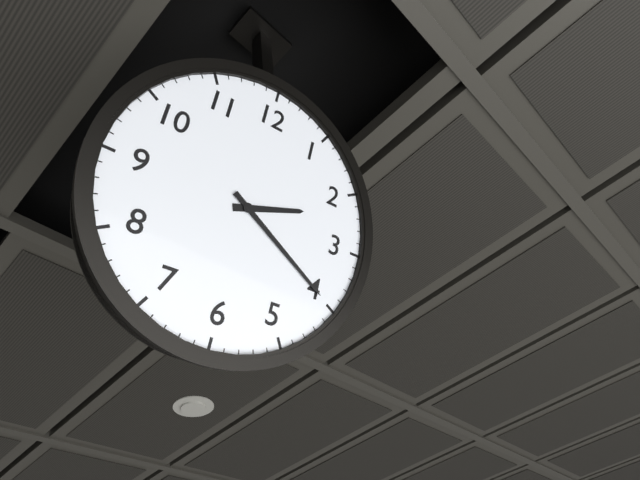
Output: {"hour": 2, "minute": 20}
